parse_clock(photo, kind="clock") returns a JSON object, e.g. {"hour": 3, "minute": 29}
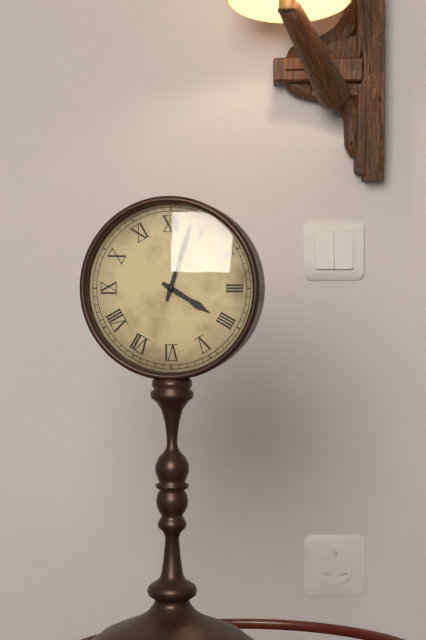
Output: {"hour": 4, "minute": 3}
